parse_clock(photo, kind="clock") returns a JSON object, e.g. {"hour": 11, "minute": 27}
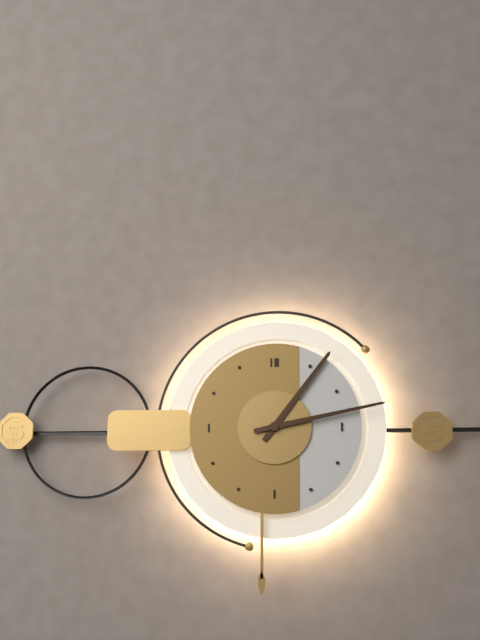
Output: {"hour": 1, "minute": 13}
